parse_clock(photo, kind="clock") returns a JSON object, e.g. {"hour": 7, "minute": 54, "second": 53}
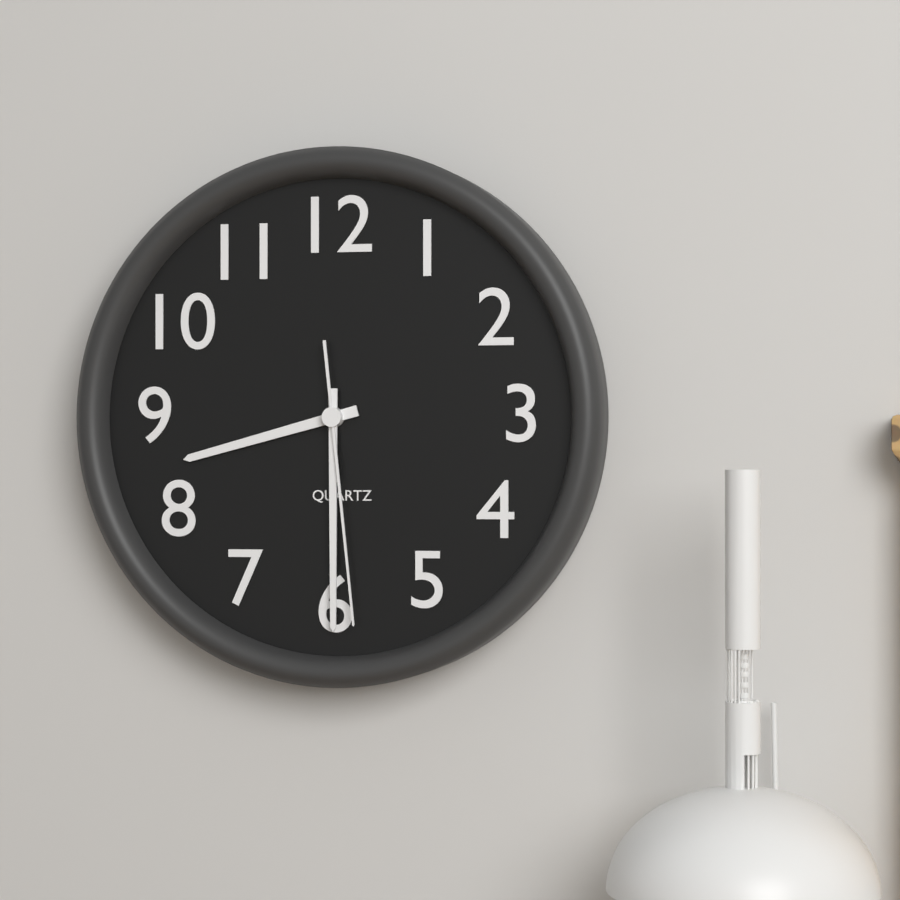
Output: {"hour": 8, "minute": 30, "second": 29}
